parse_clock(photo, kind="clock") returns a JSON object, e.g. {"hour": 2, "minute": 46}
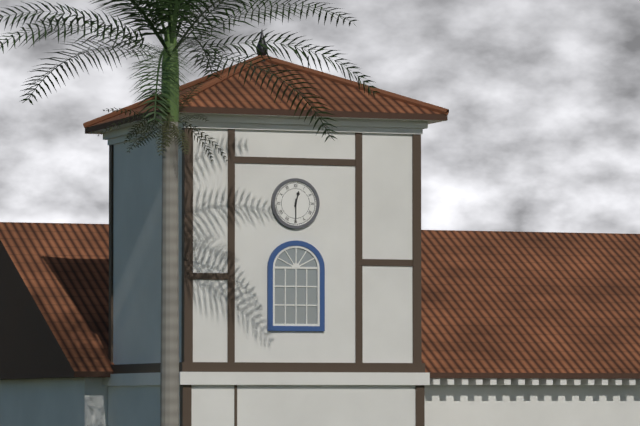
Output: {"hour": 12, "minute": 30}
